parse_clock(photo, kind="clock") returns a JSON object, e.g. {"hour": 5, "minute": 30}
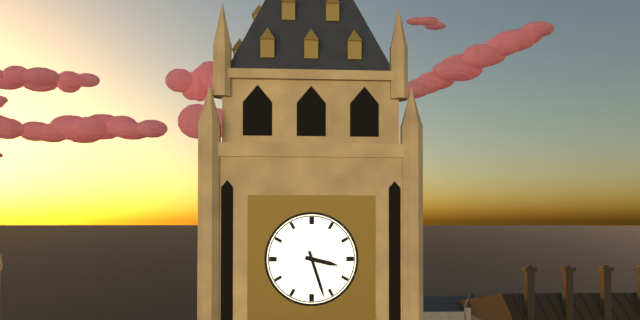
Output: {"hour": 3, "minute": 27}
